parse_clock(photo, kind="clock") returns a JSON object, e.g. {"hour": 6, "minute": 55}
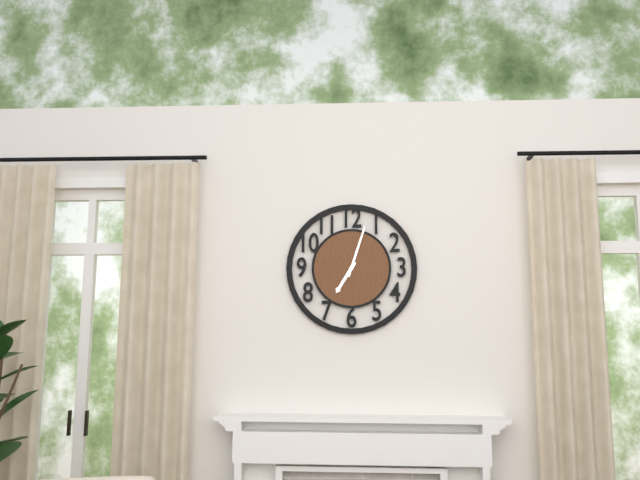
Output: {"hour": 7, "minute": 3}
